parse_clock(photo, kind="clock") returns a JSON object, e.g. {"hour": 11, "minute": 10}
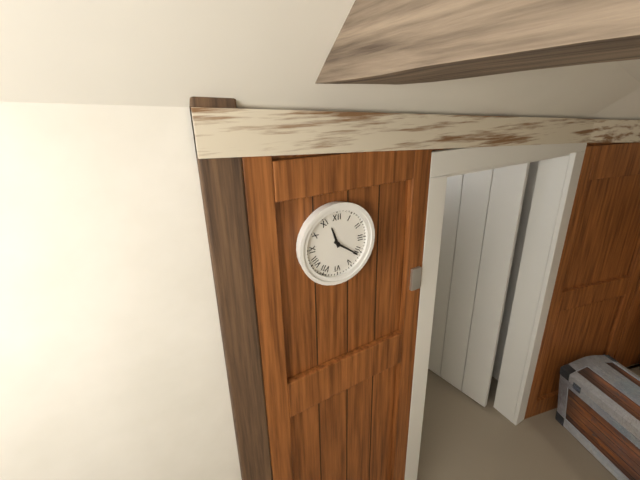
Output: {"hour": 11, "minute": 21}
